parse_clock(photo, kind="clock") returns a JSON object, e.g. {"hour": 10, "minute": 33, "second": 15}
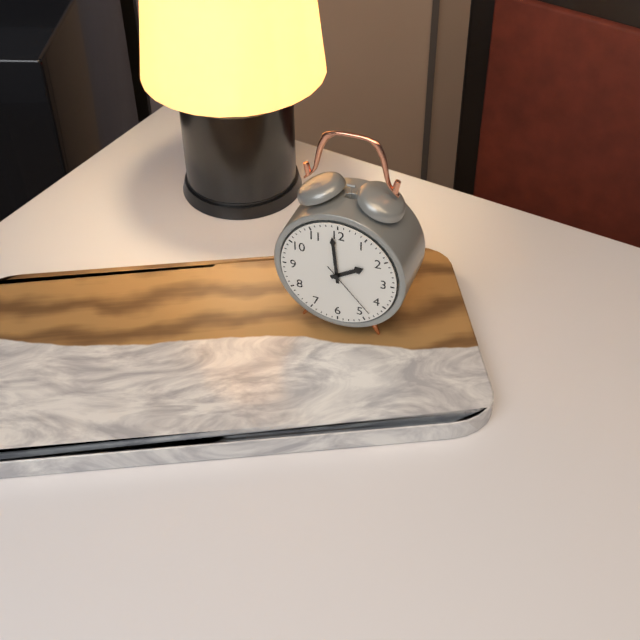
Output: {"hour": 1, "minute": 59, "second": 23}
